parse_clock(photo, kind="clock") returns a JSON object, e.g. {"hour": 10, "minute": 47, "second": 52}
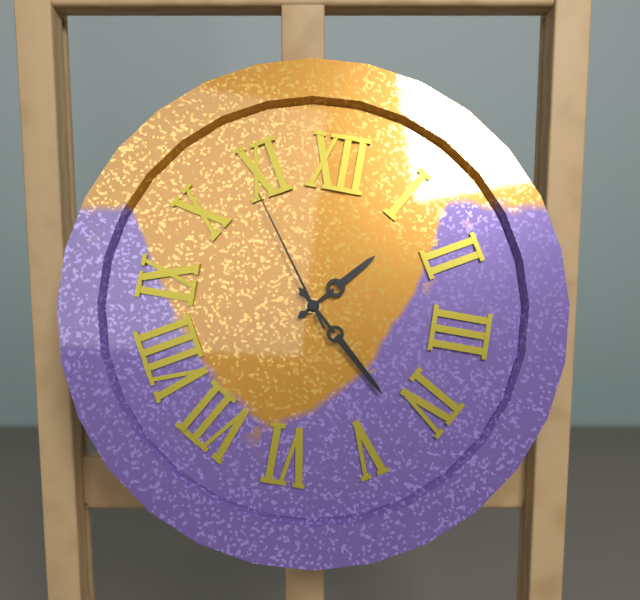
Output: {"hour": 1, "minute": 22, "second": 54}
